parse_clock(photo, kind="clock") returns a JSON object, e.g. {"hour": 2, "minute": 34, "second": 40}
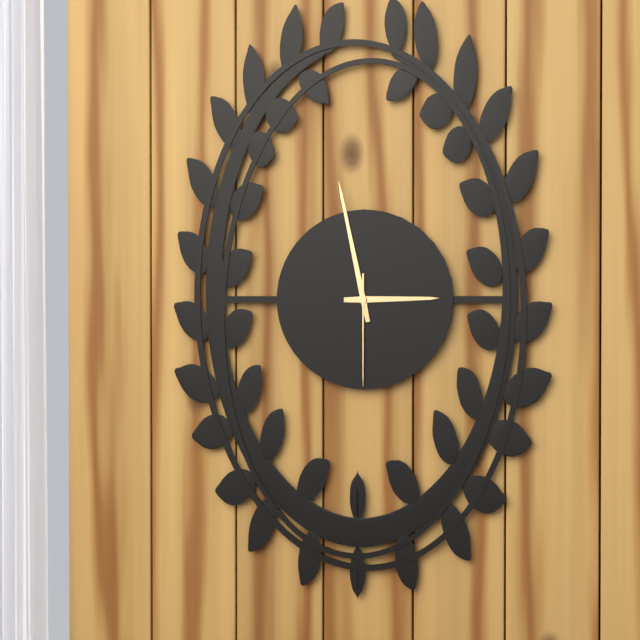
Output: {"hour": 2, "minute": 58, "second": 30}
